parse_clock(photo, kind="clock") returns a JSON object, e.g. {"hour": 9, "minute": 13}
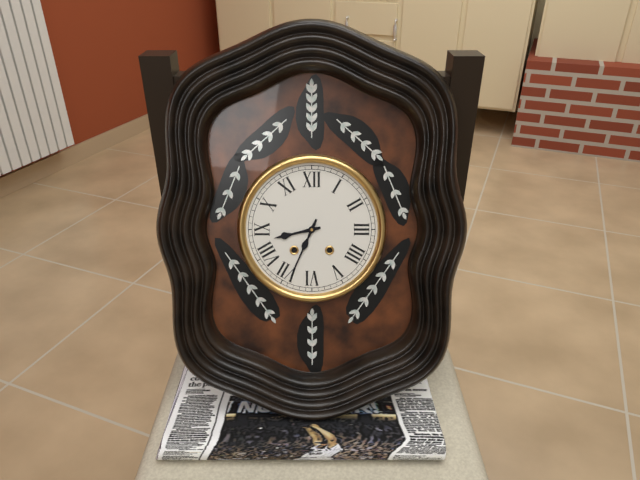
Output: {"hour": 8, "minute": 34}
